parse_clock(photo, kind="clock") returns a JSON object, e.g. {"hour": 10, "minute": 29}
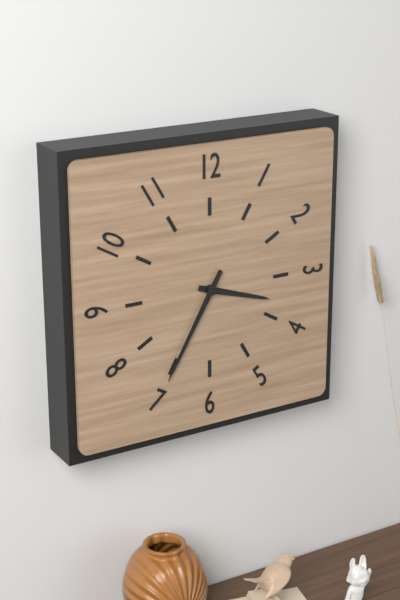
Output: {"hour": 3, "minute": 35}
